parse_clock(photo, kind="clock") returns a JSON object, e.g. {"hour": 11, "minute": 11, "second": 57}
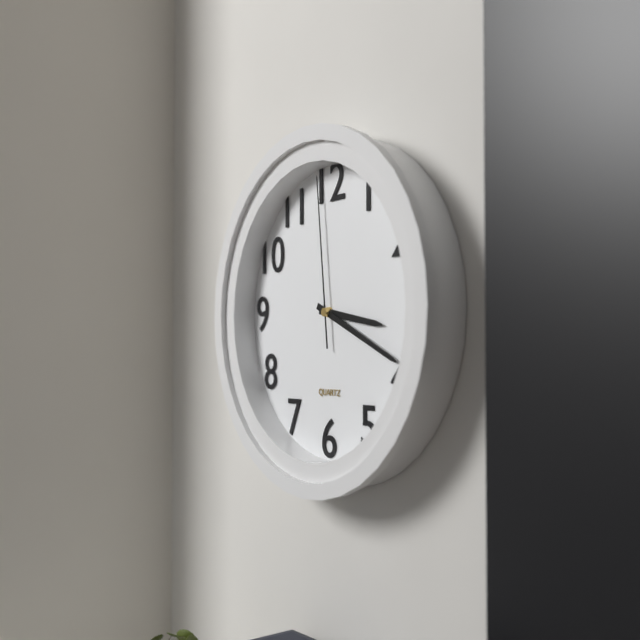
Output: {"hour": 3, "minute": 19, "second": 59}
